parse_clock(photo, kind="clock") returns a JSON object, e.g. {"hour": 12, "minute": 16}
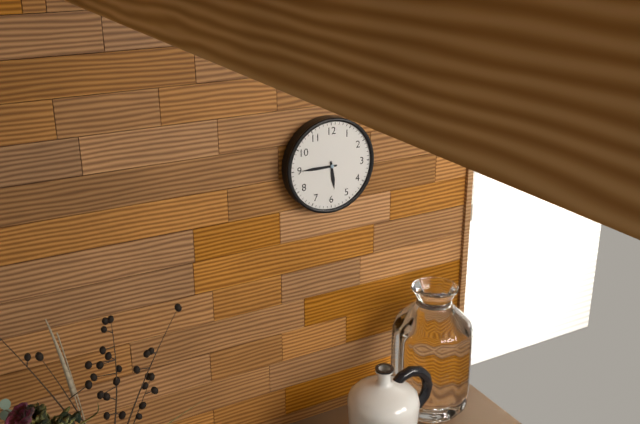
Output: {"hour": 5, "minute": 45}
